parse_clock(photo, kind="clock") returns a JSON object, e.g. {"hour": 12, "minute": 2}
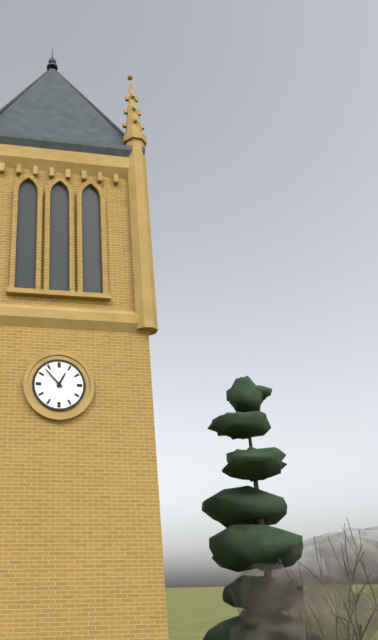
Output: {"hour": 12, "minute": 53}
